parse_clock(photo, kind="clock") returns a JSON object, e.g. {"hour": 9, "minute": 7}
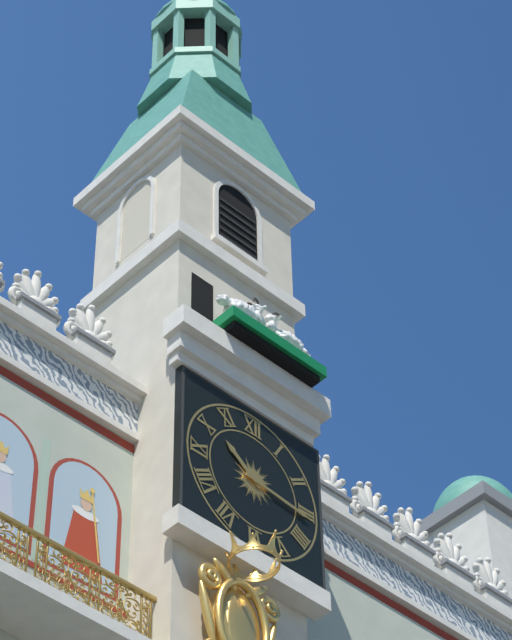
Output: {"hour": 10, "minute": 16}
